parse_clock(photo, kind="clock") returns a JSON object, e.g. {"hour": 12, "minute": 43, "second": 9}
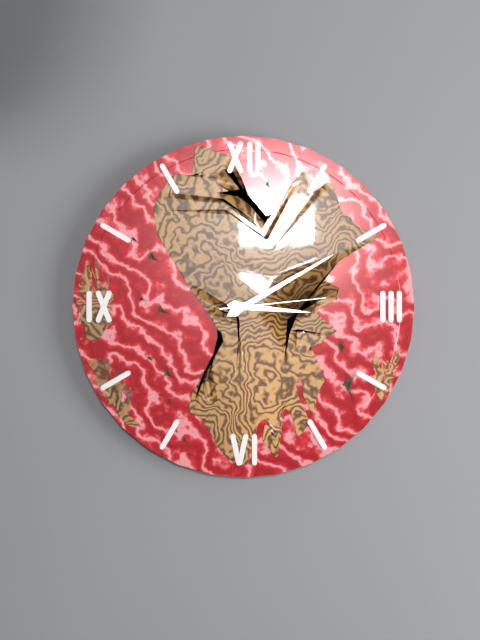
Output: {"hour": 3, "minute": 10, "second": 14}
